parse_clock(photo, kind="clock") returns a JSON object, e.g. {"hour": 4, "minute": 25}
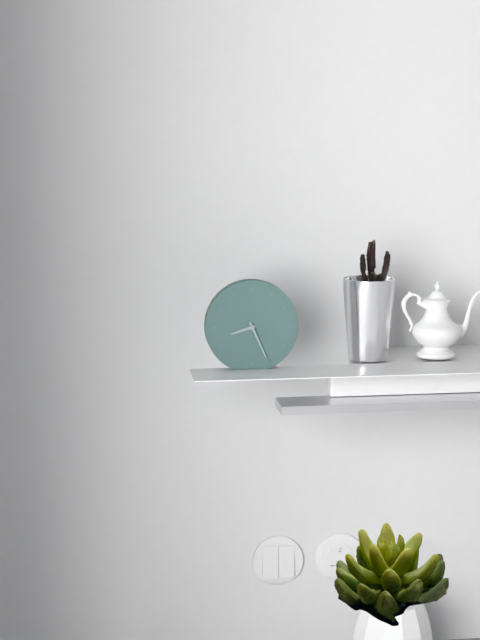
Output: {"hour": 8, "minute": 26}
